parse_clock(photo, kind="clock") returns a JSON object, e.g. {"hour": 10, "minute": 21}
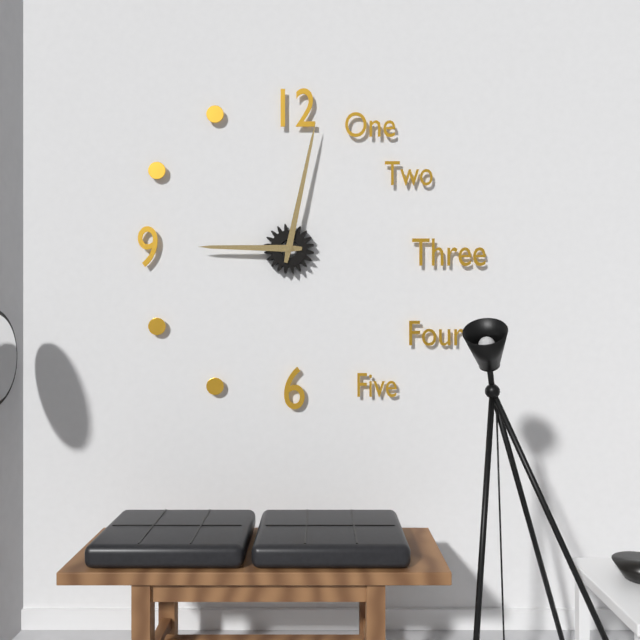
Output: {"hour": 9, "minute": 2}
